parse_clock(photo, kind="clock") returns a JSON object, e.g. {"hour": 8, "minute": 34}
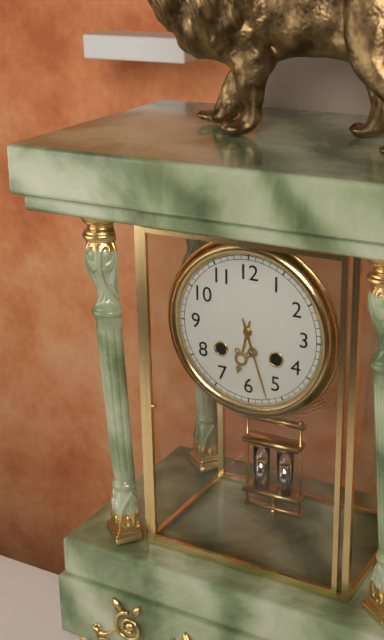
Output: {"hour": 6, "minute": 27}
